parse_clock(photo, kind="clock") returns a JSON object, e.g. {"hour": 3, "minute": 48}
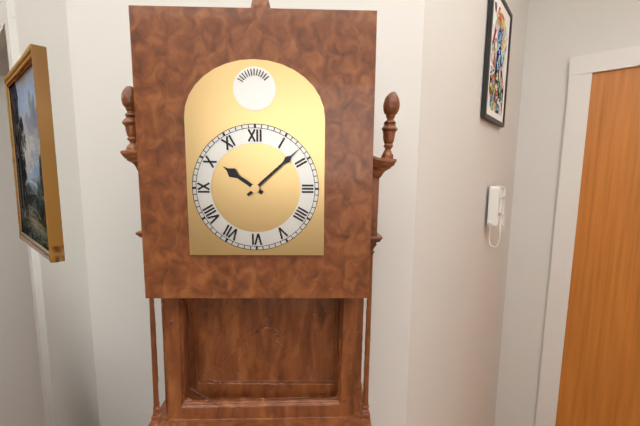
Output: {"hour": 10, "minute": 8}
